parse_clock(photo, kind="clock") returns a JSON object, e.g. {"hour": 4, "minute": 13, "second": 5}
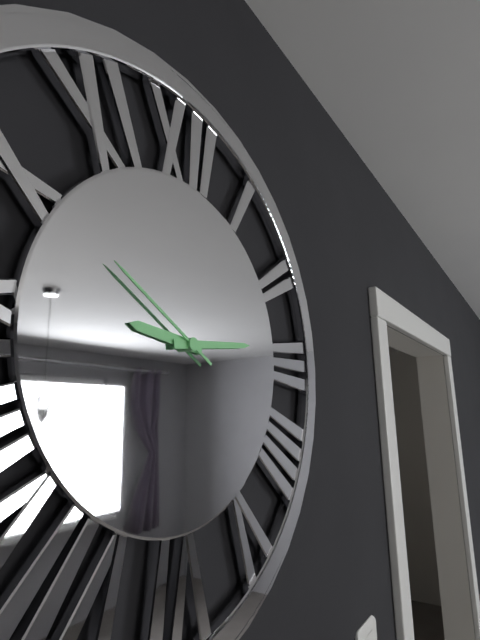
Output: {"hour": 9, "minute": 14, "second": 50}
